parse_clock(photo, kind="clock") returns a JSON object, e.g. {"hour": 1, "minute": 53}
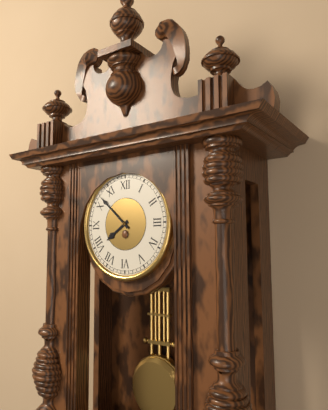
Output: {"hour": 7, "minute": 52}
